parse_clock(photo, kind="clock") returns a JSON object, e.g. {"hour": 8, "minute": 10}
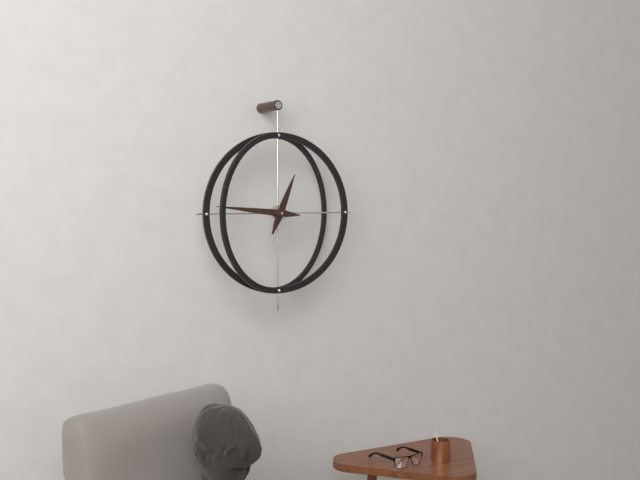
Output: {"hour": 12, "minute": 46}
